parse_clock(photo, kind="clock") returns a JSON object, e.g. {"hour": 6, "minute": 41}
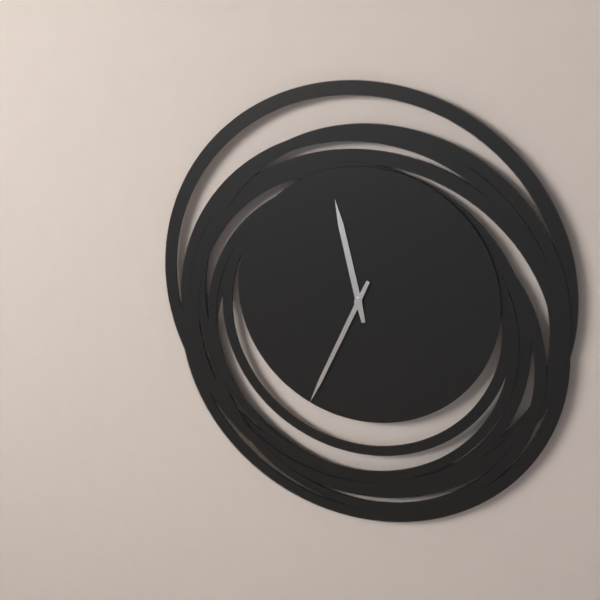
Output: {"hour": 11, "minute": 34}
